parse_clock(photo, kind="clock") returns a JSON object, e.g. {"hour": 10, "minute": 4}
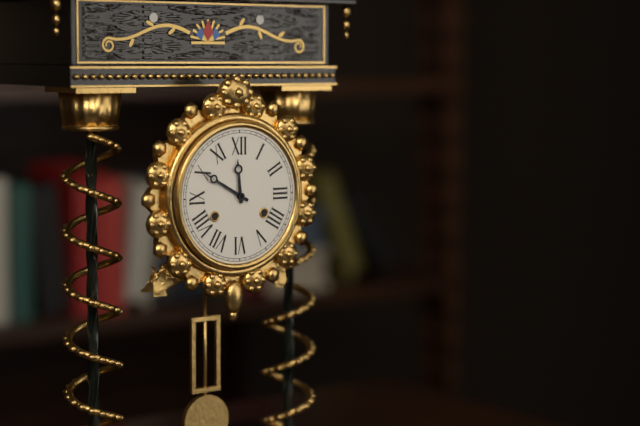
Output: {"hour": 11, "minute": 50}
